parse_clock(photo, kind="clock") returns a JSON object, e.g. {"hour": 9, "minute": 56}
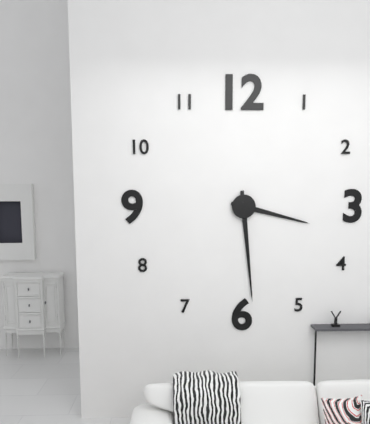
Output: {"hour": 3, "minute": 29}
